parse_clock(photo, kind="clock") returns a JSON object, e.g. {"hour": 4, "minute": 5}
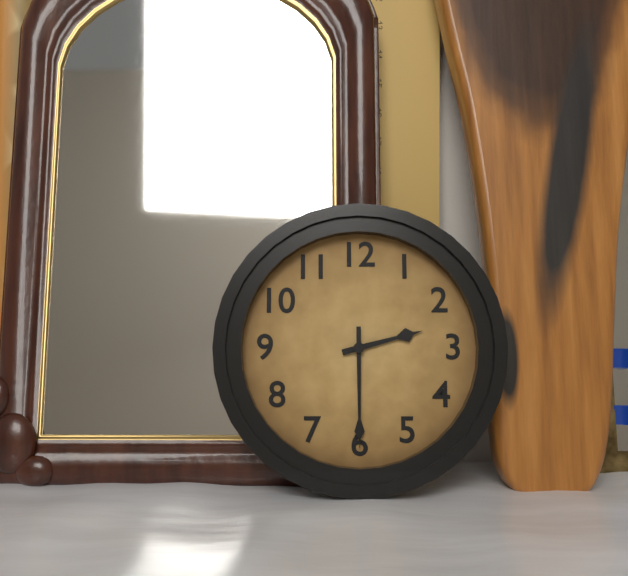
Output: {"hour": 2, "minute": 30}
